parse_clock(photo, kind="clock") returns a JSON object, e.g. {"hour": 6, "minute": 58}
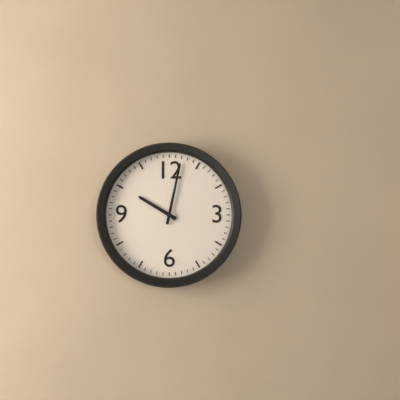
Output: {"hour": 10, "minute": 2}
